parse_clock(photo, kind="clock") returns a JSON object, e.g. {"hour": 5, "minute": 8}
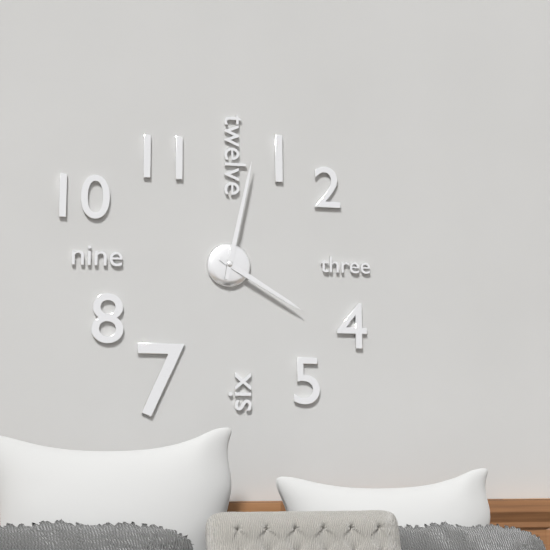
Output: {"hour": 4, "minute": 2}
